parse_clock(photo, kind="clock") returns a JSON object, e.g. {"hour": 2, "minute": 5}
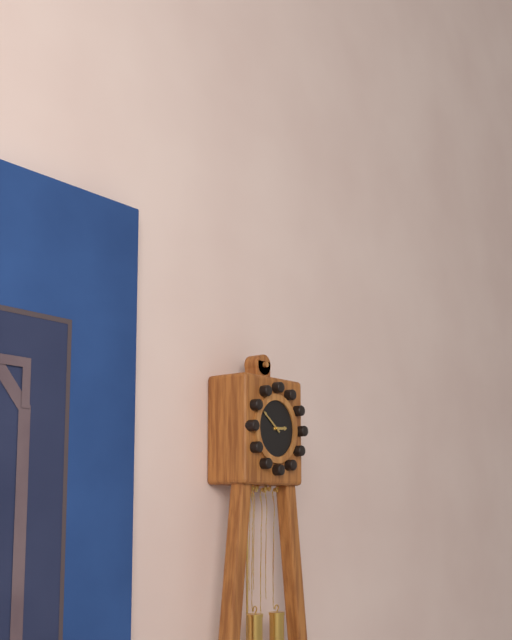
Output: {"hour": 2, "minute": 51}
